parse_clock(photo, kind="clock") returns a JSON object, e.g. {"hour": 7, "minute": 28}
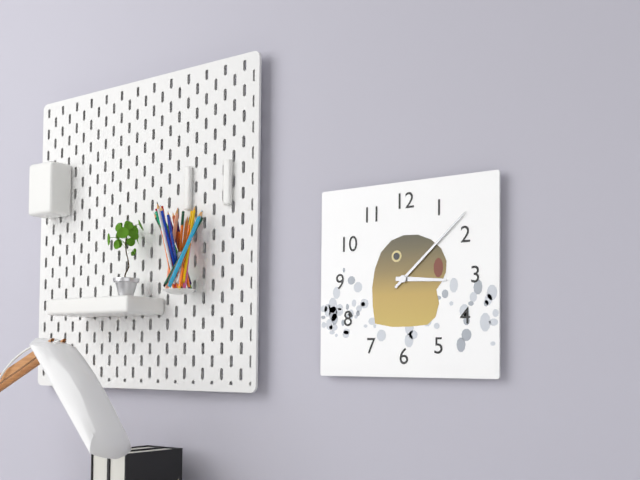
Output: {"hour": 3, "minute": 8}
